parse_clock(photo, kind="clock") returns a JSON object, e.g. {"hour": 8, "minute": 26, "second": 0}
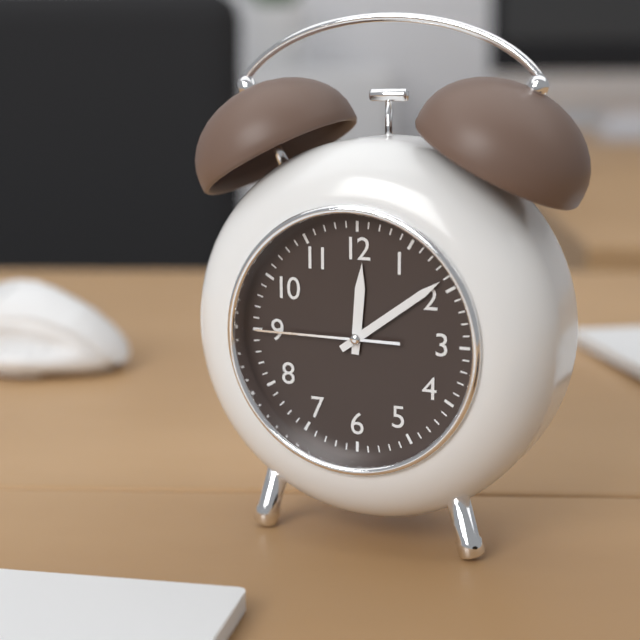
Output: {"hour": 12, "minute": 9, "second": 45}
